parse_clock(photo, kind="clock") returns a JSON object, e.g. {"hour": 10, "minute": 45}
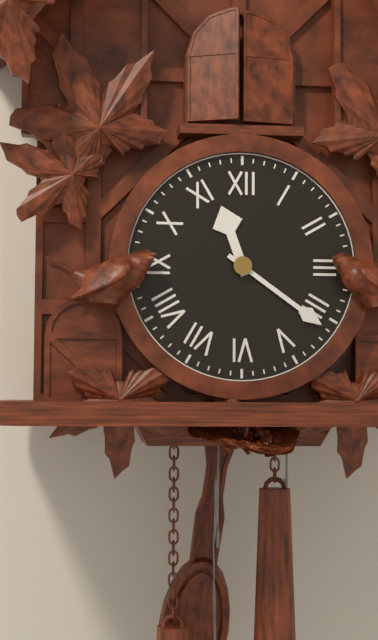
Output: {"hour": 11, "minute": 21}
